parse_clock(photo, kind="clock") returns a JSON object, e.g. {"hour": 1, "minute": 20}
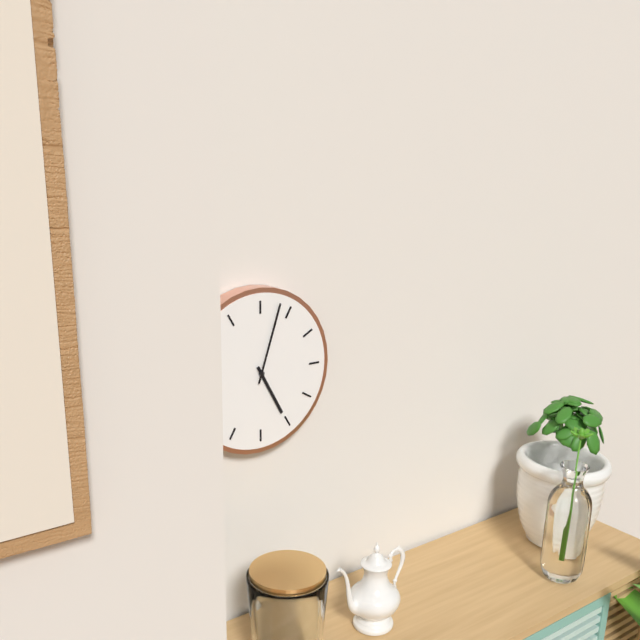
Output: {"hour": 5, "minute": 3}
